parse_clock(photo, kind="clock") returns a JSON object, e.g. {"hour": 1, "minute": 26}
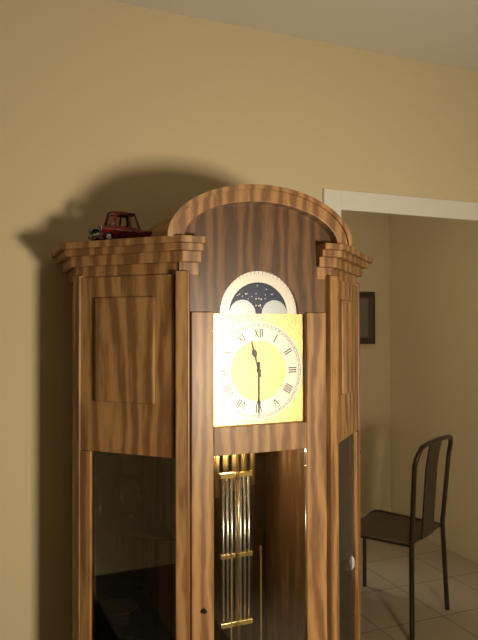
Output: {"hour": 11, "minute": 30}
